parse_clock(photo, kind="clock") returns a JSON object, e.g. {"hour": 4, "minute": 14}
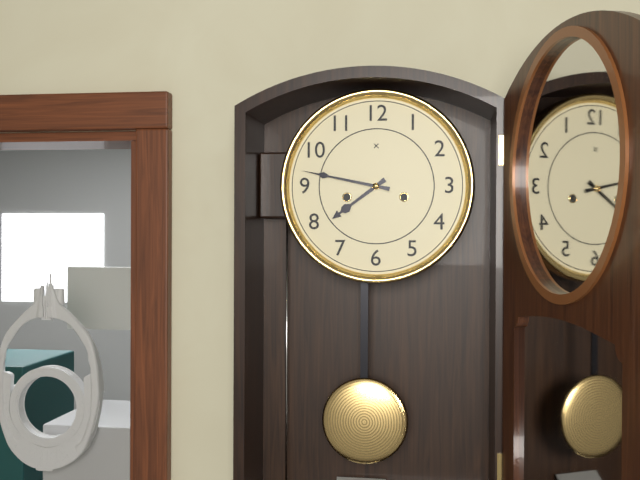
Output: {"hour": 7, "minute": 47}
